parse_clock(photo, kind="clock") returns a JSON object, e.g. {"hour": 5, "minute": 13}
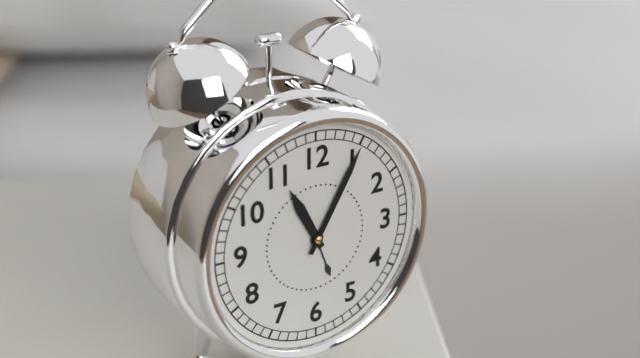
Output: {"hour": 11, "minute": 5}
